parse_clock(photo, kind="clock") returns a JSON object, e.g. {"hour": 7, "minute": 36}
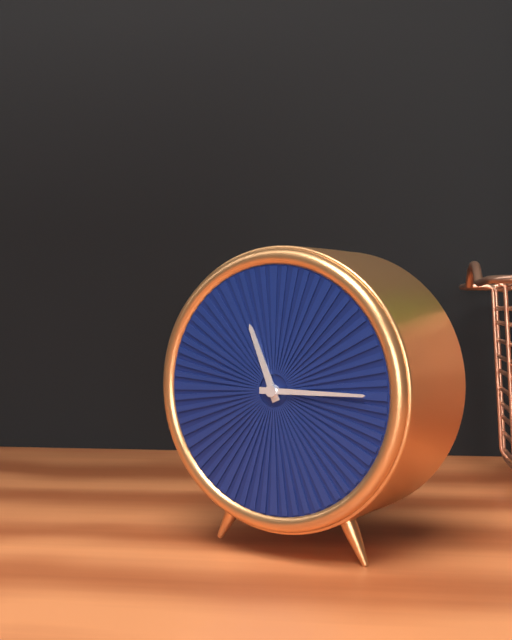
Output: {"hour": 11, "minute": 15}
